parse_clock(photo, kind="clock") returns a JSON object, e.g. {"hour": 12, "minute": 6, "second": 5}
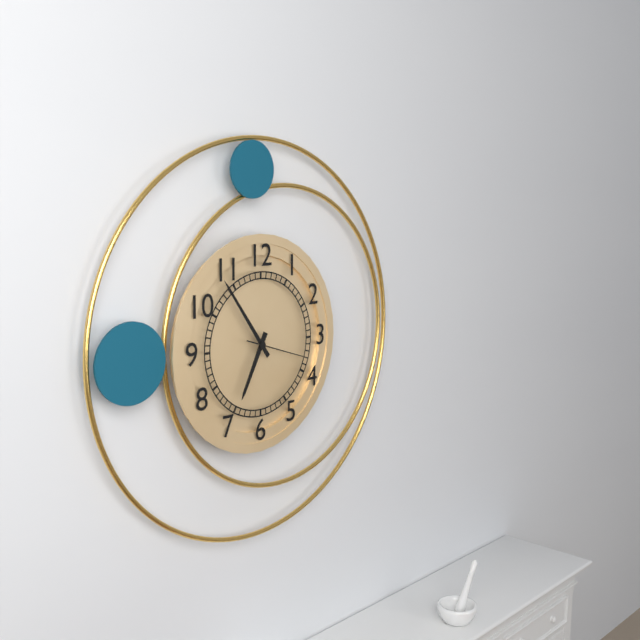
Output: {"hour": 6, "minute": 54, "second": 18}
